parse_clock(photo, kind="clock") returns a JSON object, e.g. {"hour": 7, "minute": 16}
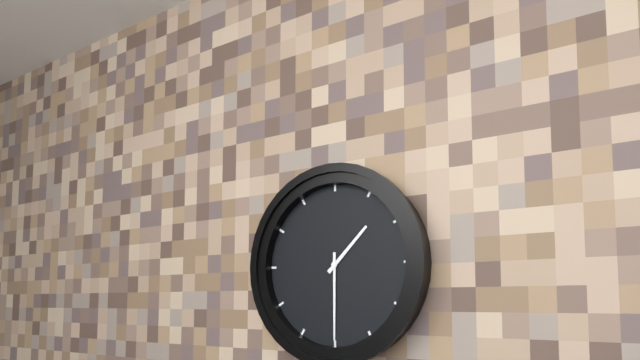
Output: {"hour": 1, "minute": 30}
